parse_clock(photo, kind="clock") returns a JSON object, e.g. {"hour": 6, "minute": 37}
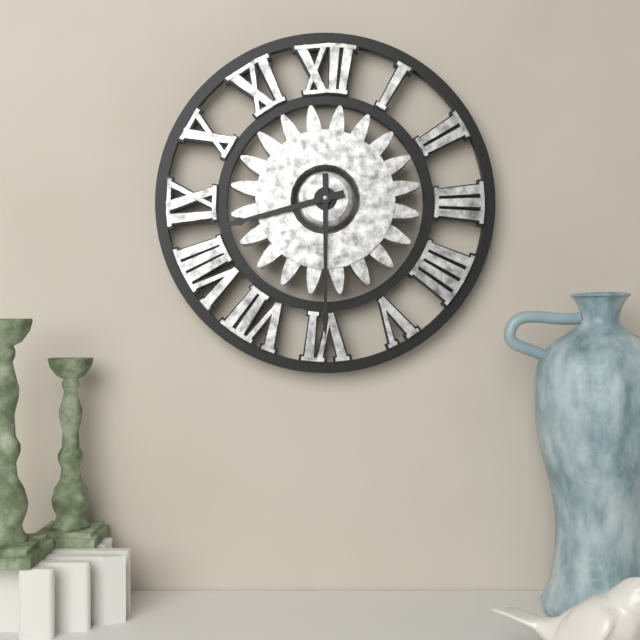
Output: {"hour": 8, "minute": 30}
